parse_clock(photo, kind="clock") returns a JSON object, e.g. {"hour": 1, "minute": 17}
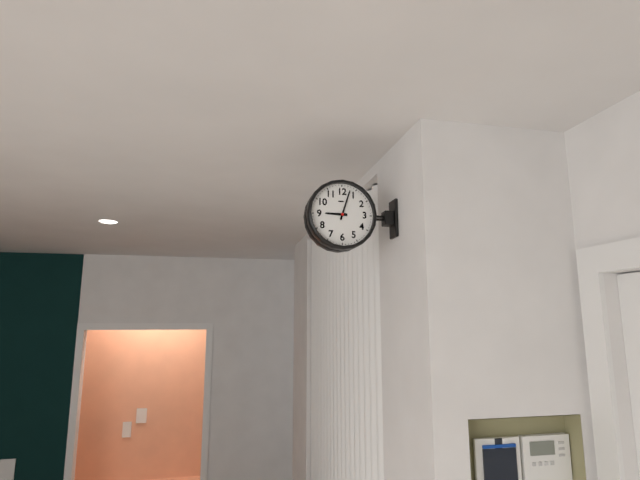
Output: {"hour": 9, "minute": 3}
